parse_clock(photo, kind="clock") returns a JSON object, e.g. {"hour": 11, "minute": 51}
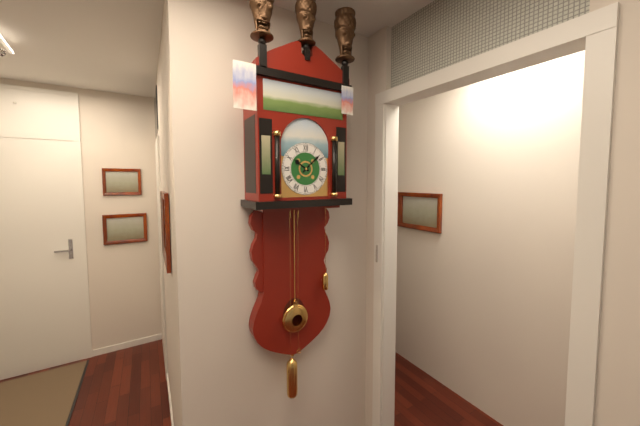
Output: {"hour": 10, "minute": 8}
